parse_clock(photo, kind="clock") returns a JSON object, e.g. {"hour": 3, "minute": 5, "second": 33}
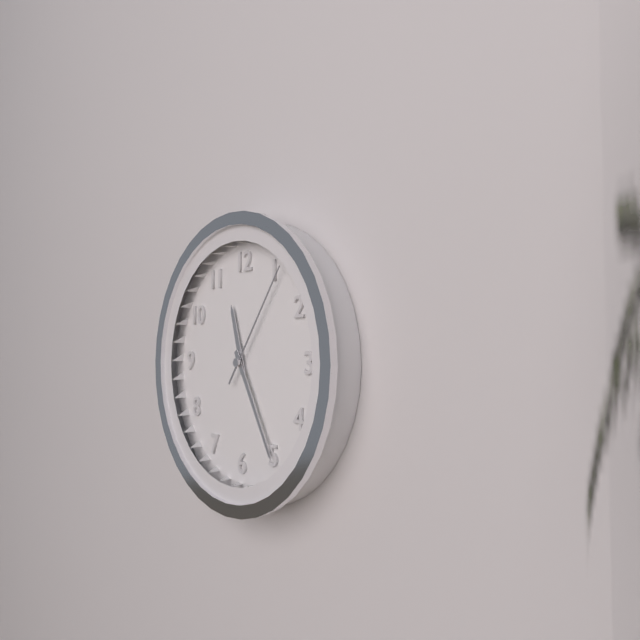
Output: {"hour": 11, "minute": 25, "second": 6}
